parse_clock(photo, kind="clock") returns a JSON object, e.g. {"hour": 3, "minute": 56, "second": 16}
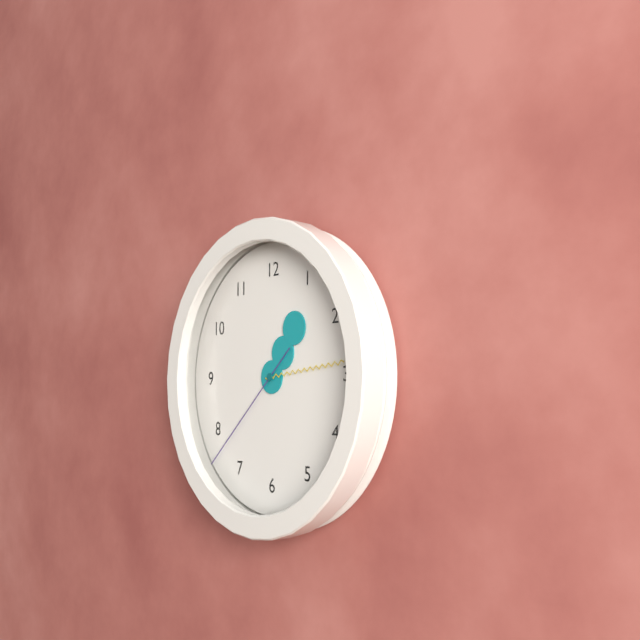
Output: {"hour": 1, "minute": 14, "second": 38}
